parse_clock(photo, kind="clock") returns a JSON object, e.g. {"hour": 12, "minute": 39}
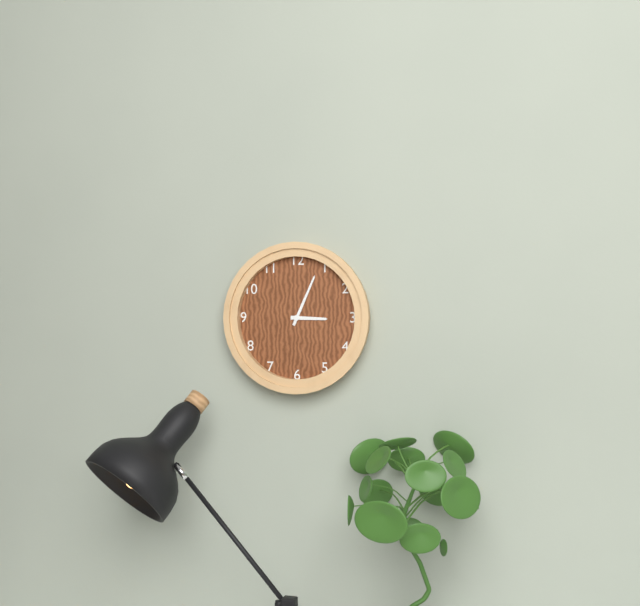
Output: {"hour": 3, "minute": 4}
